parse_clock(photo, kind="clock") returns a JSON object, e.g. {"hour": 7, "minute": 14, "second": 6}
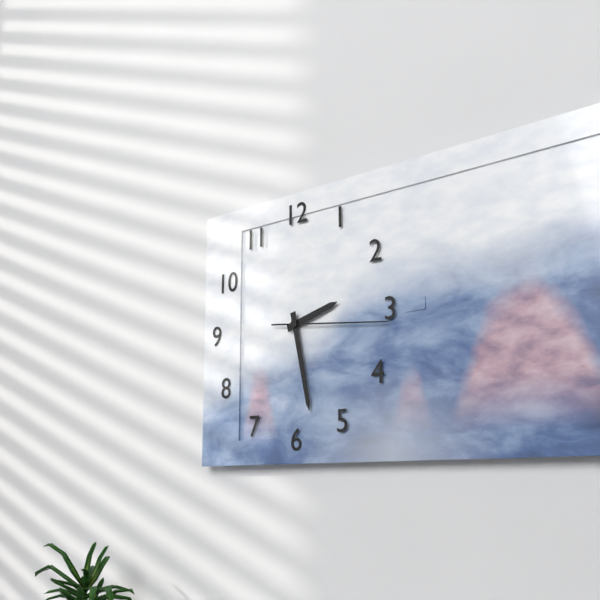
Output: {"hour": 2, "minute": 28, "second": 16}
